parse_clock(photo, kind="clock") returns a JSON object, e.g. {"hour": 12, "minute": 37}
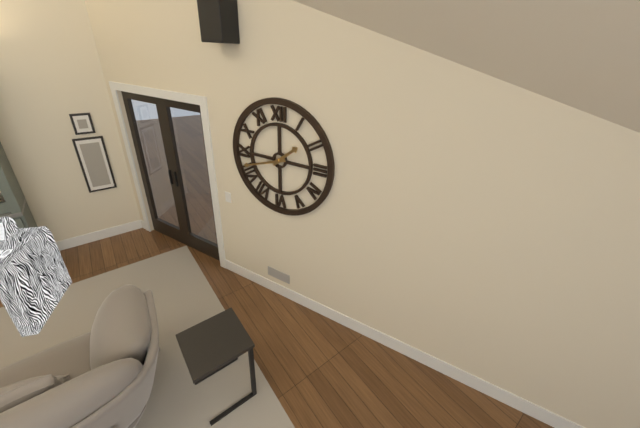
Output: {"hour": 1, "minute": 42}
